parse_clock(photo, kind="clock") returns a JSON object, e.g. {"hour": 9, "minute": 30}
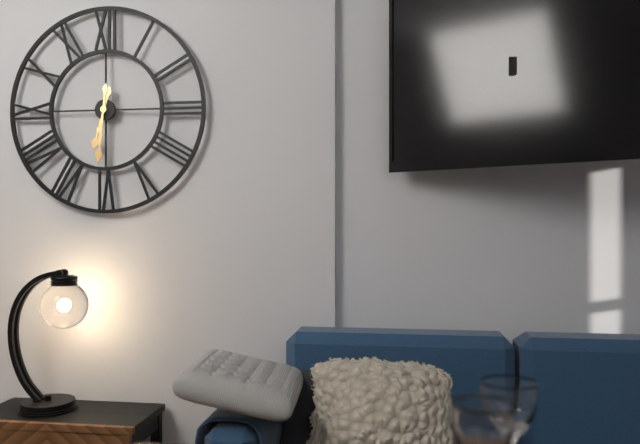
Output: {"hour": 6, "minute": 31}
